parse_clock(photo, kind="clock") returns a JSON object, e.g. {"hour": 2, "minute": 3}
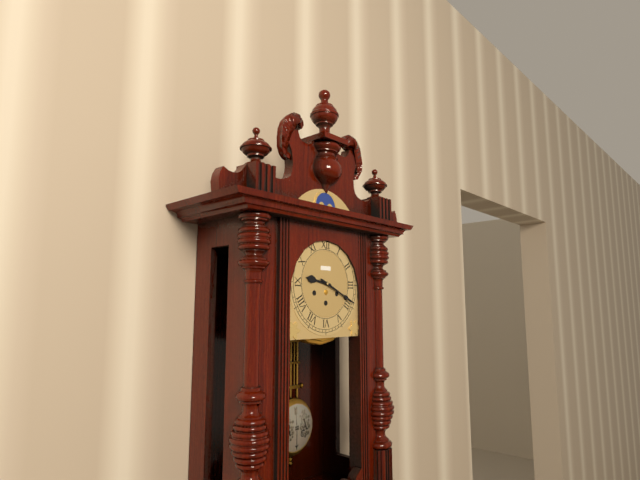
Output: {"hour": 9, "minute": 19}
